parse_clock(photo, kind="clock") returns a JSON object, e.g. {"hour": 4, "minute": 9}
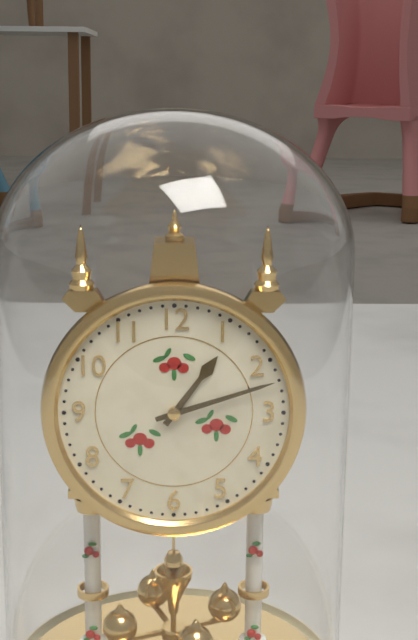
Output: {"hour": 1, "minute": 12}
